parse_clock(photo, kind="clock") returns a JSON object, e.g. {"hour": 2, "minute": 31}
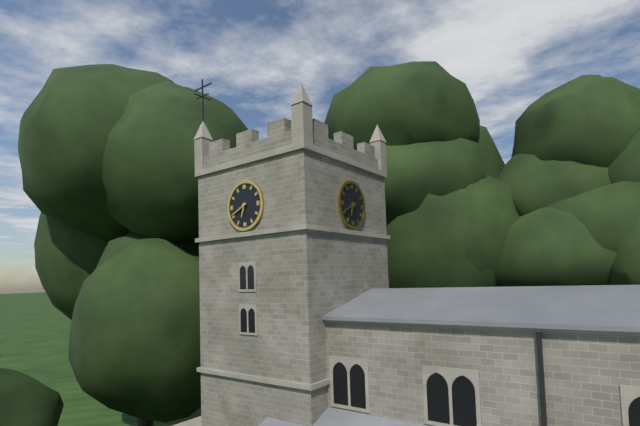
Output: {"hour": 6, "minute": 41}
